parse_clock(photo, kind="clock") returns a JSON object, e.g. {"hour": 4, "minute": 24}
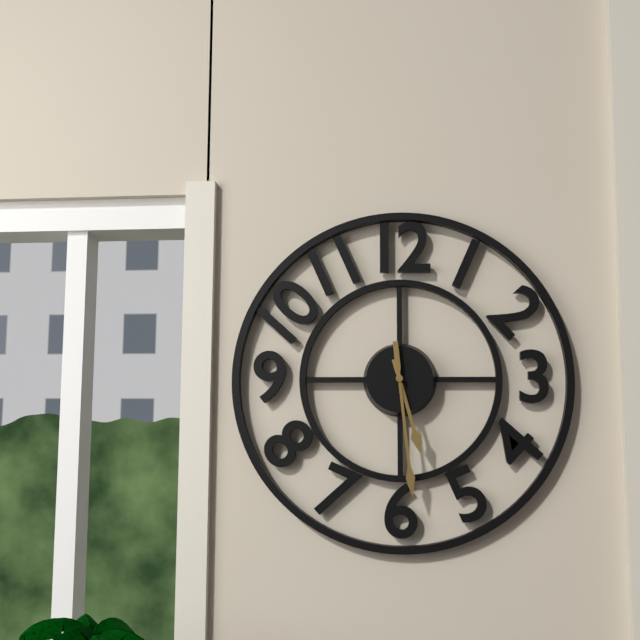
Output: {"hour": 5, "minute": 29}
